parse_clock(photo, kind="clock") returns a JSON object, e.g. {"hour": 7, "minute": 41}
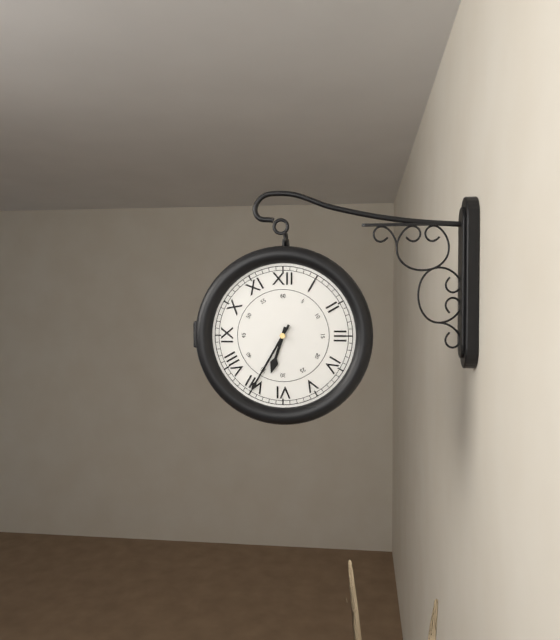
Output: {"hour": 6, "minute": 35}
